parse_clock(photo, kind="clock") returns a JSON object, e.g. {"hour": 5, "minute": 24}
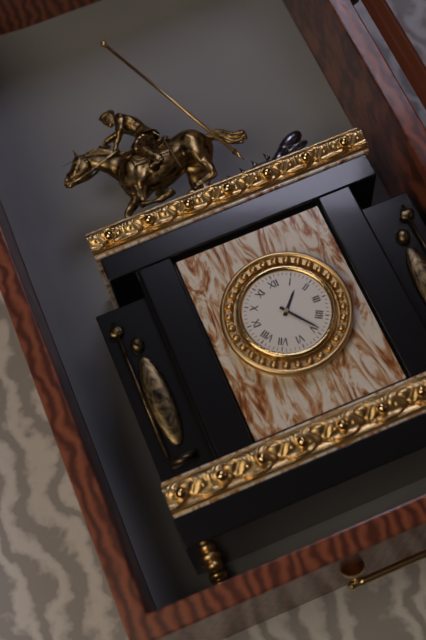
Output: {"hour": 1, "minute": 24}
